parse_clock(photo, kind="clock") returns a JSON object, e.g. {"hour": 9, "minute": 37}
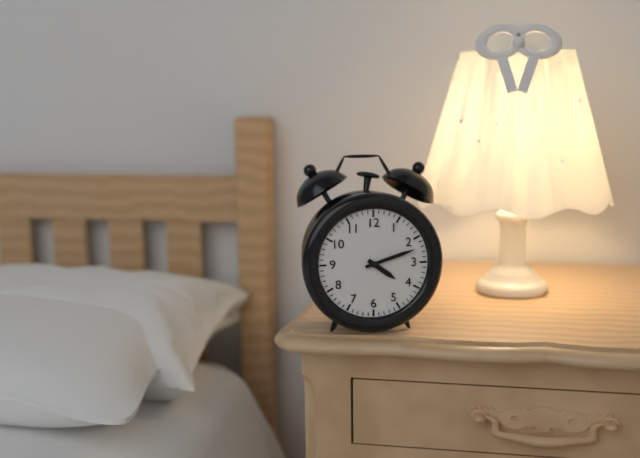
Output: {"hour": 4, "minute": 12}
